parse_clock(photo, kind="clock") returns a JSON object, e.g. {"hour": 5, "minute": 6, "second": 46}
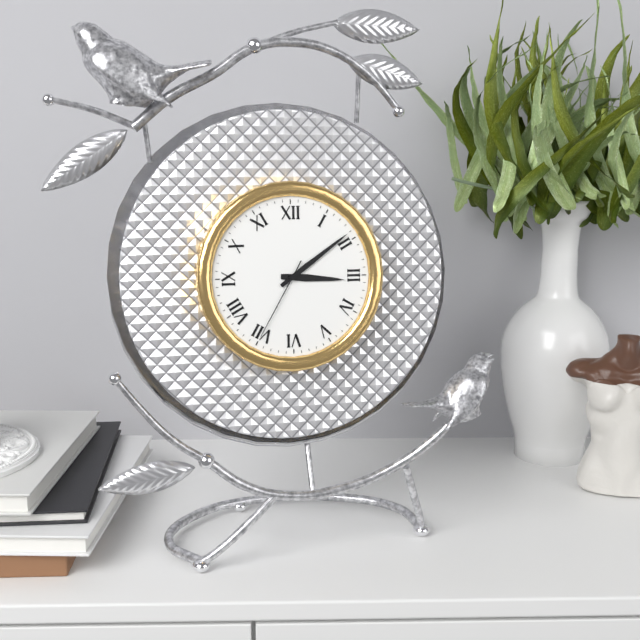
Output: {"hour": 3, "minute": 9, "second": 35}
